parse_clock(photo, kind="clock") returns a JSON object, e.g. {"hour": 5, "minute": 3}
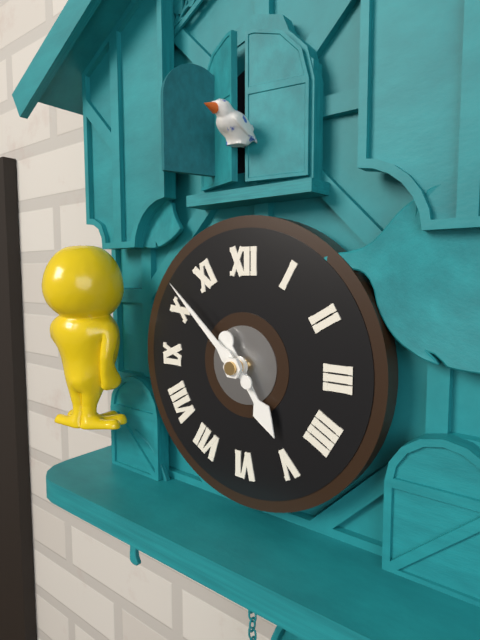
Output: {"hour": 4, "minute": 52}
